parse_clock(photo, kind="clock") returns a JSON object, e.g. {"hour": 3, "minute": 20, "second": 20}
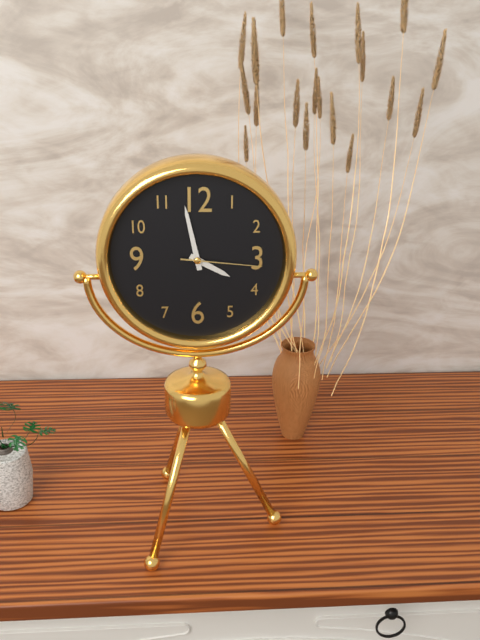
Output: {"hour": 3, "minute": 58, "second": 16}
